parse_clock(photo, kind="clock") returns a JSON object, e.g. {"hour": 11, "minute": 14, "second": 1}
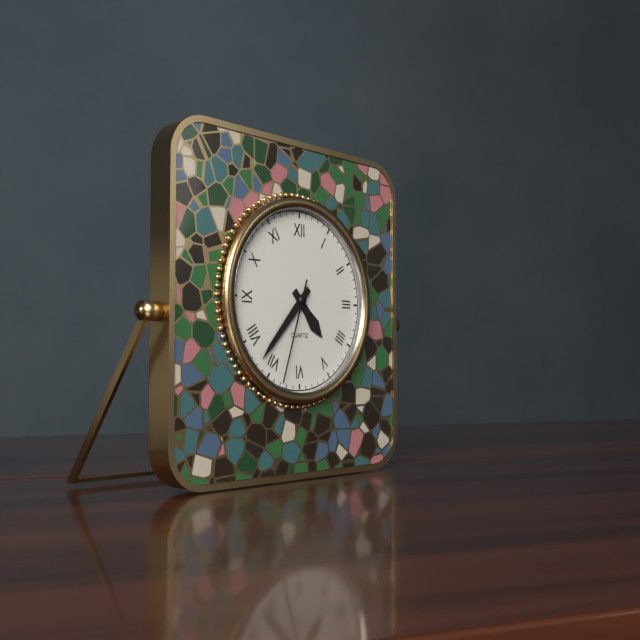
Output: {"hour": 4, "minute": 37, "second": 33}
